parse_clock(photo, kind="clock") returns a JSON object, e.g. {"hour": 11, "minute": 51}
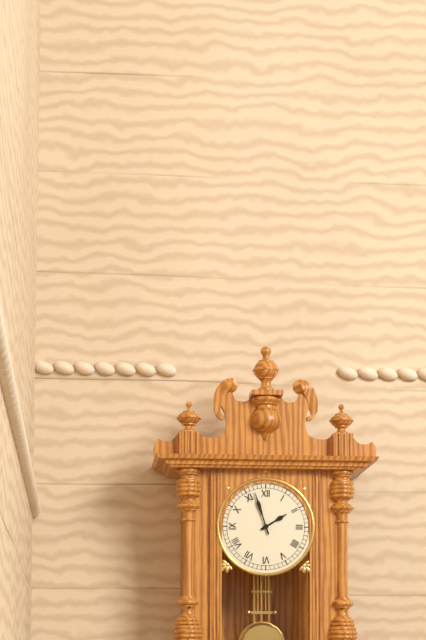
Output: {"hour": 1, "minute": 57}
